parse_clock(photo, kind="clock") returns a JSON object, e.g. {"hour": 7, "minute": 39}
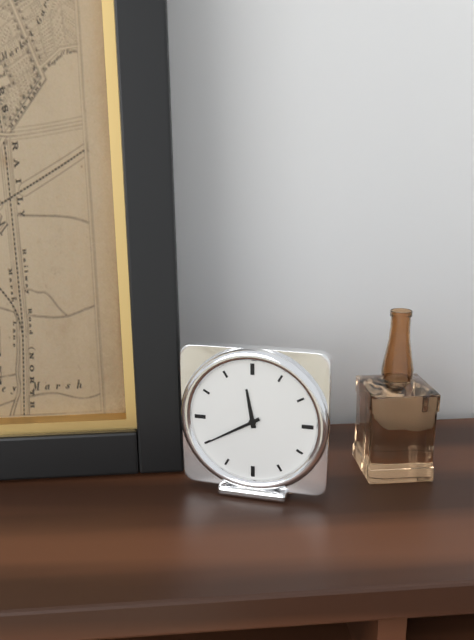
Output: {"hour": 11, "minute": 40}
